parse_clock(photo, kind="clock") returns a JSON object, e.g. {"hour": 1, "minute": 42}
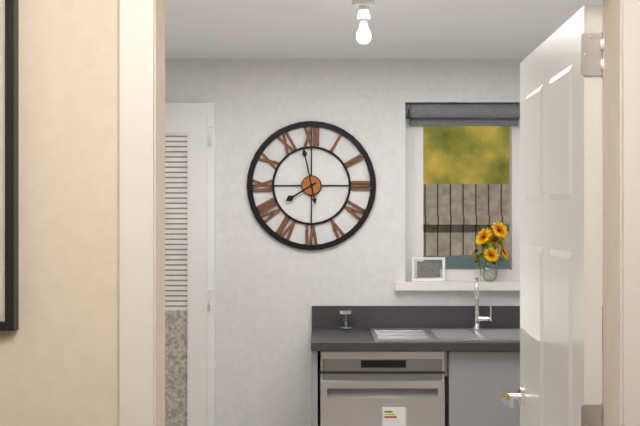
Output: {"hour": 7, "minute": 58}
